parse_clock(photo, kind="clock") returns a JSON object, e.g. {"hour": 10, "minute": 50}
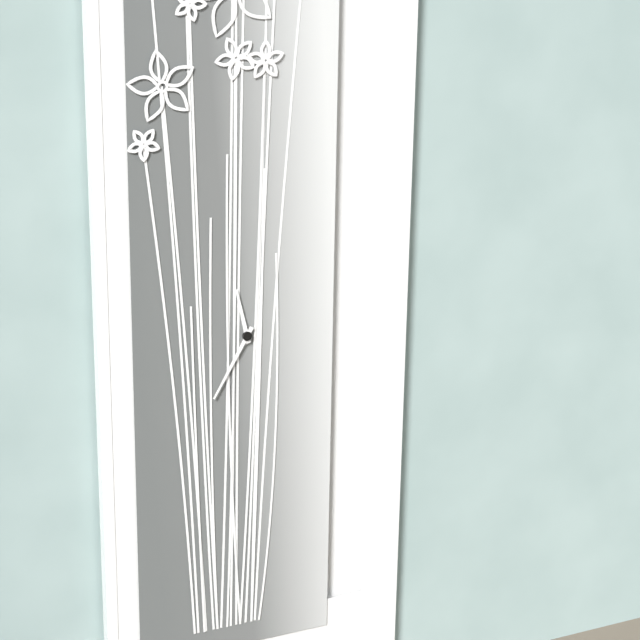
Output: {"hour": 11, "minute": 35}
